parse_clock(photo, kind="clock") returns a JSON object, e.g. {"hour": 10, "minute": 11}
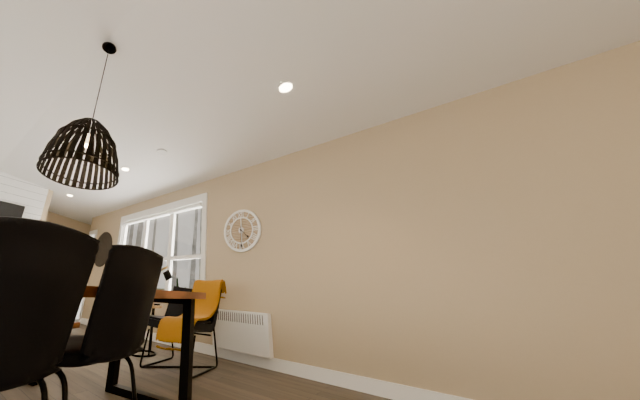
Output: {"hour": 4, "minute": 30}
